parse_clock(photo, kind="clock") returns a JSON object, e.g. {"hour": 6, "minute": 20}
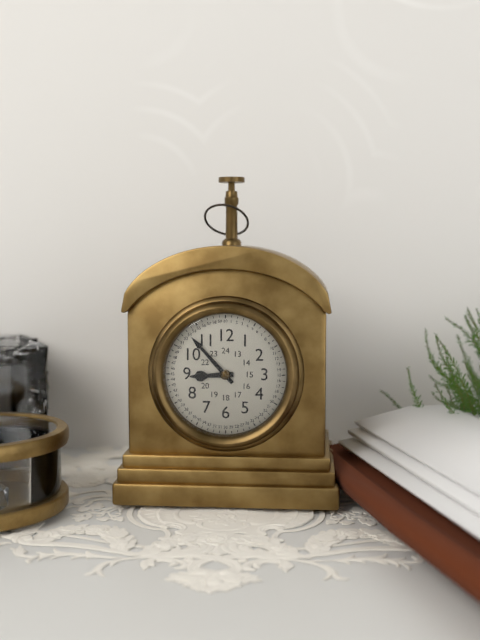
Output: {"hour": 8, "minute": 53}
